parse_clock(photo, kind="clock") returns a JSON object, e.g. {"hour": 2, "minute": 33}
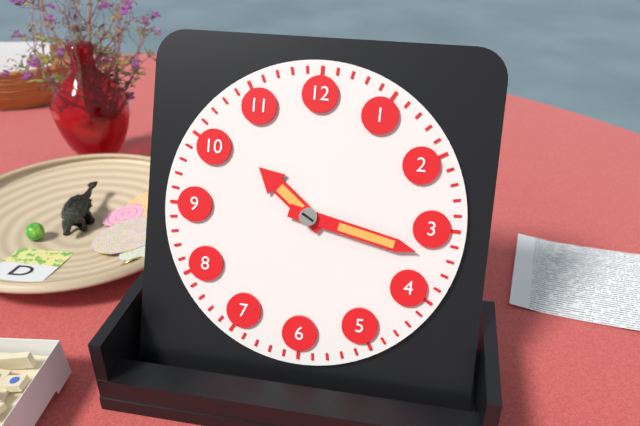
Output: {"hour": 10, "minute": 17}
